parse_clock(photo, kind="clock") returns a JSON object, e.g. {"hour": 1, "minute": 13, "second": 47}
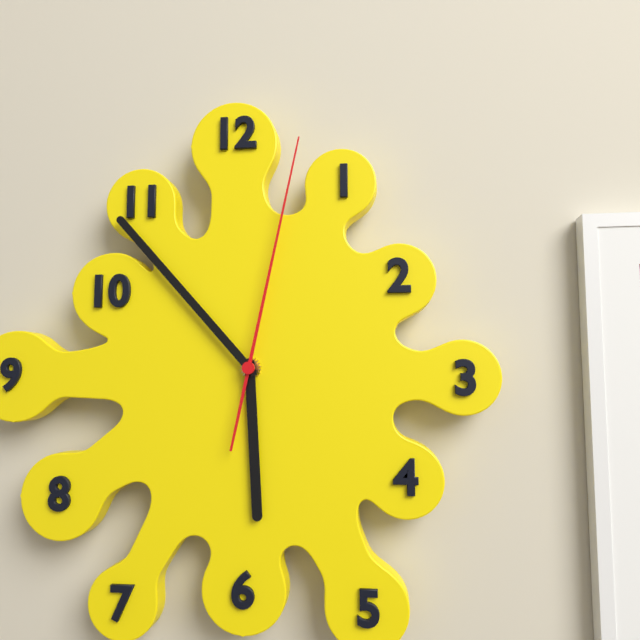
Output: {"hour": 5, "minute": 53, "second": 2}
